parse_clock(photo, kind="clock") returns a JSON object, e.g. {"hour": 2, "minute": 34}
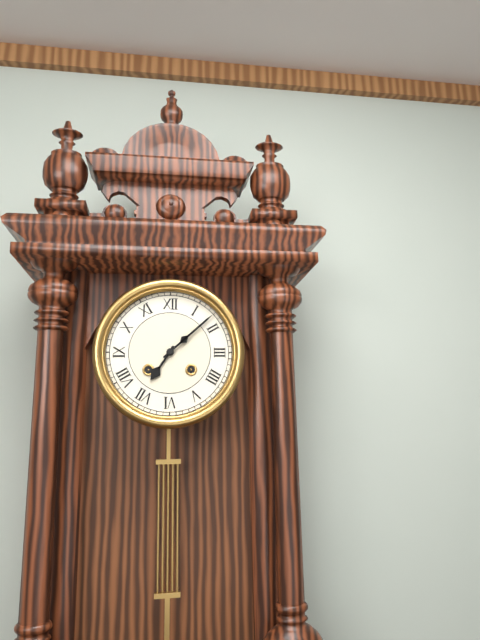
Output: {"hour": 7, "minute": 8}
